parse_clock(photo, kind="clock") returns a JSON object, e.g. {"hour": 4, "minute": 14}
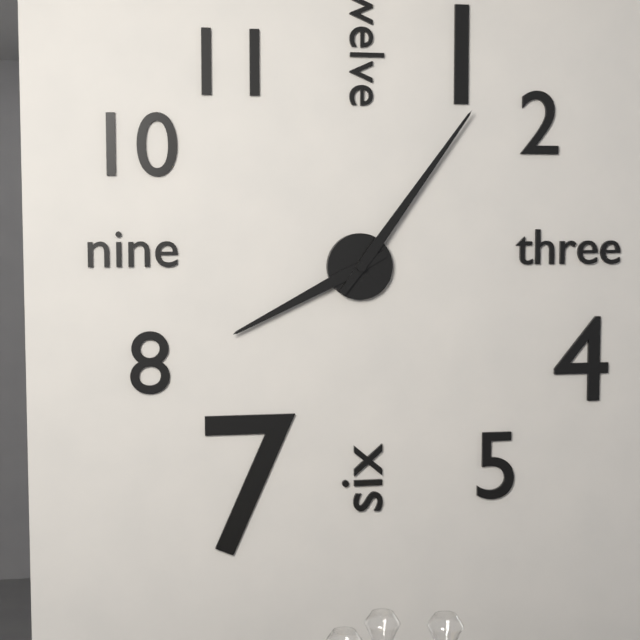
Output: {"hour": 8, "minute": 6}
